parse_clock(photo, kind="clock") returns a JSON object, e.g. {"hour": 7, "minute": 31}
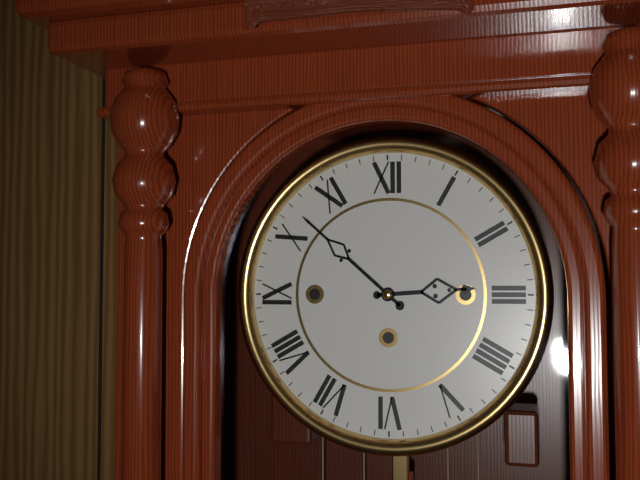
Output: {"hour": 2, "minute": 52}
